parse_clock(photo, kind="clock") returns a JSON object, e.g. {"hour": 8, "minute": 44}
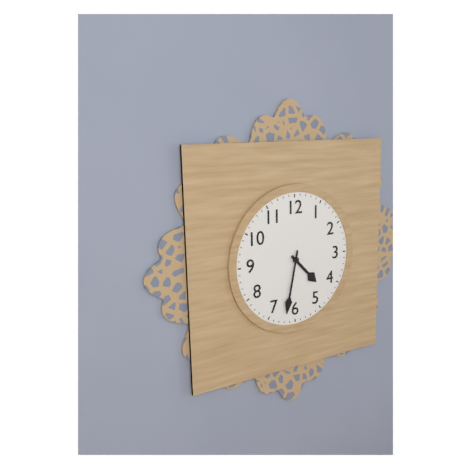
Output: {"hour": 4, "minute": 32}
